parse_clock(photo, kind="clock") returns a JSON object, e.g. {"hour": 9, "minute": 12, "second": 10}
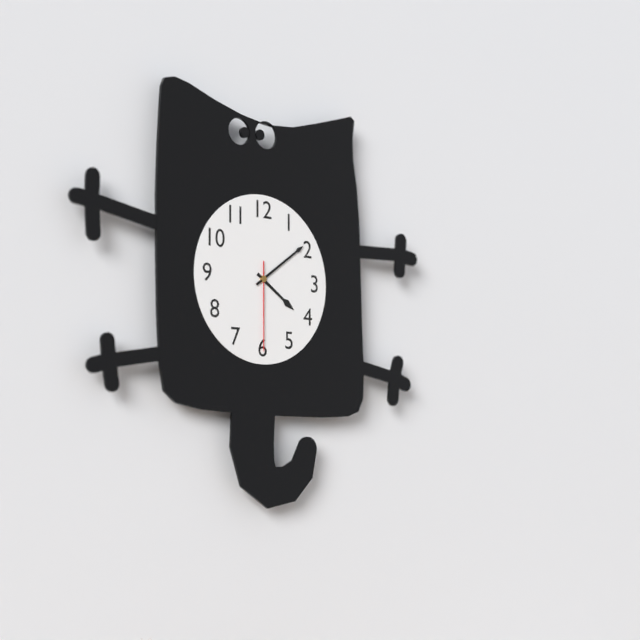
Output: {"hour": 4, "minute": 9, "second": 30}
